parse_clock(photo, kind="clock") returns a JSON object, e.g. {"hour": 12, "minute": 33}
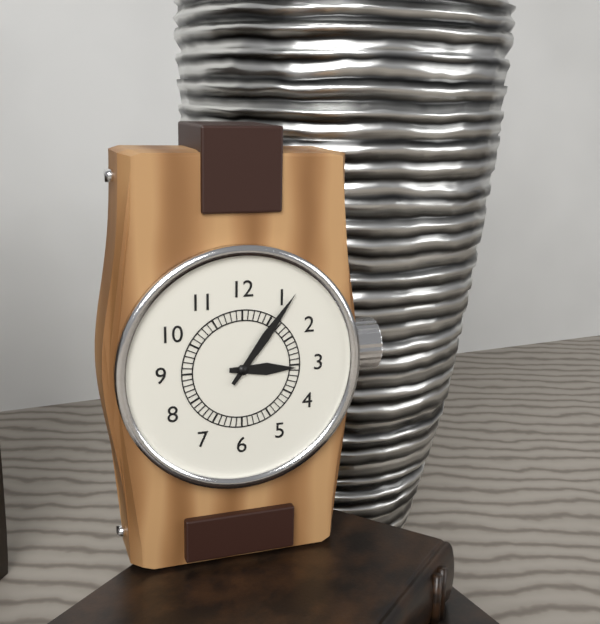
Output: {"hour": 3, "minute": 6}
